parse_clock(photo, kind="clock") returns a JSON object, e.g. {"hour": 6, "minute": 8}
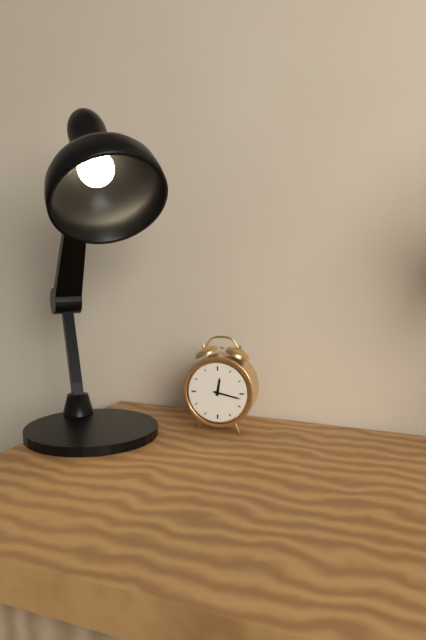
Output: {"hour": 12, "minute": 17}
